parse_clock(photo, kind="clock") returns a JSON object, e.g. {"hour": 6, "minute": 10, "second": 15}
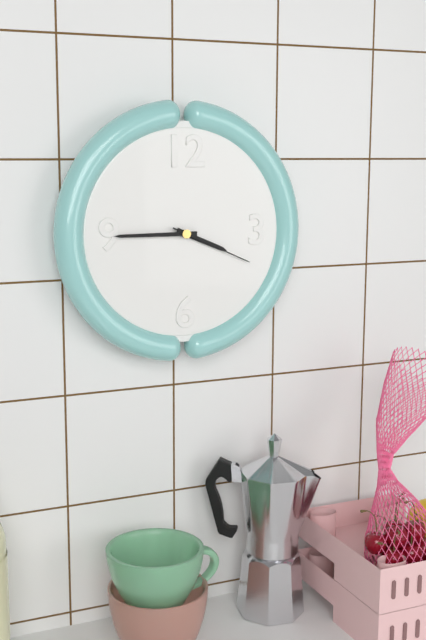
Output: {"hour": 3, "minute": 45, "second": 19}
